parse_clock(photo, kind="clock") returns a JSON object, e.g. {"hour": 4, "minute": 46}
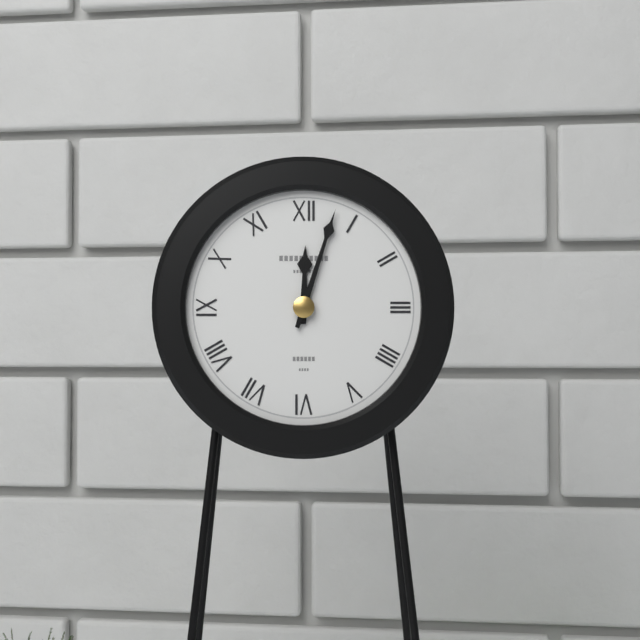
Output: {"hour": 12, "minute": 3}
